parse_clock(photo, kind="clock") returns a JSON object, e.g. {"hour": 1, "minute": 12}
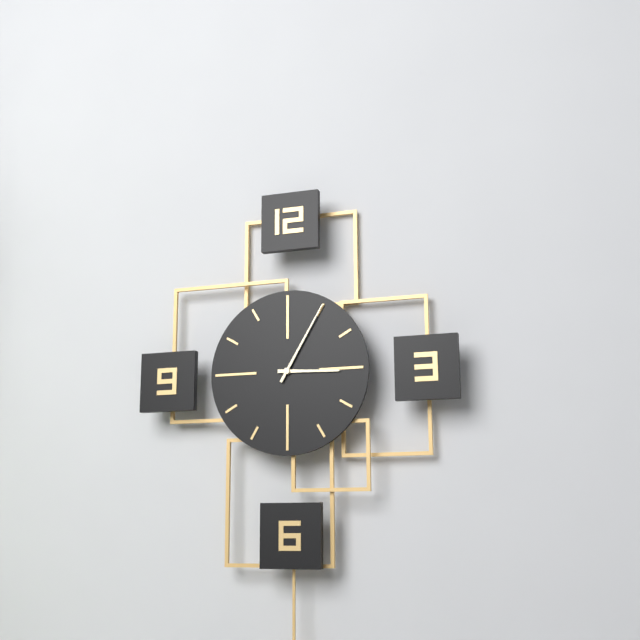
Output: {"hour": 3, "minute": 5}
